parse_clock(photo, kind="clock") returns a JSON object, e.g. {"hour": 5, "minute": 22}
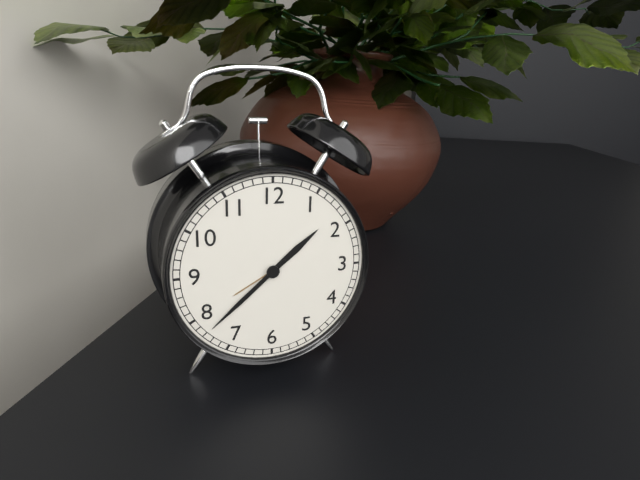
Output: {"hour": 1, "minute": 38}
